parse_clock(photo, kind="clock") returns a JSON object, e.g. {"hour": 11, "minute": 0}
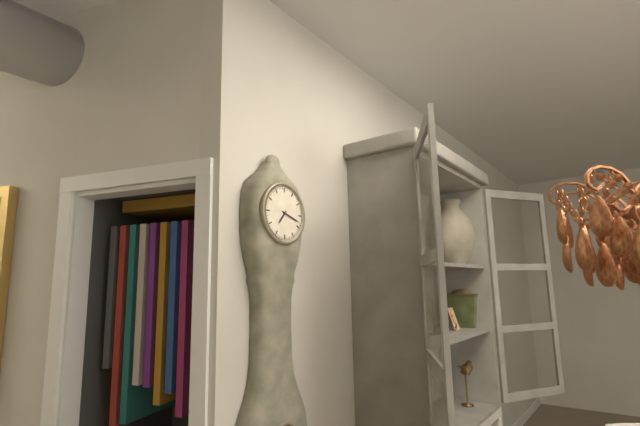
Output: {"hour": 7, "minute": 18}
